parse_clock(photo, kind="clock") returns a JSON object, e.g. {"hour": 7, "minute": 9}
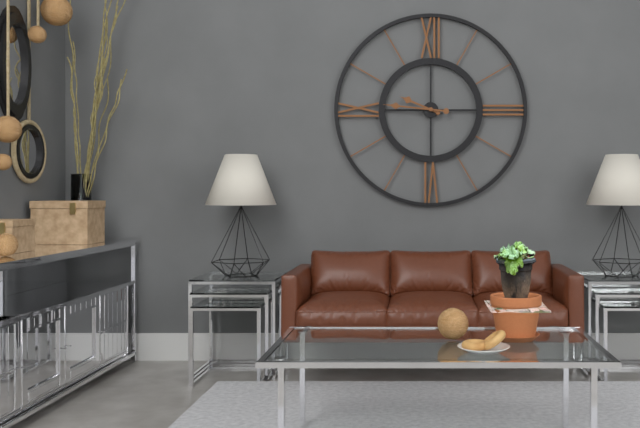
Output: {"hour": 9, "minute": 46}
